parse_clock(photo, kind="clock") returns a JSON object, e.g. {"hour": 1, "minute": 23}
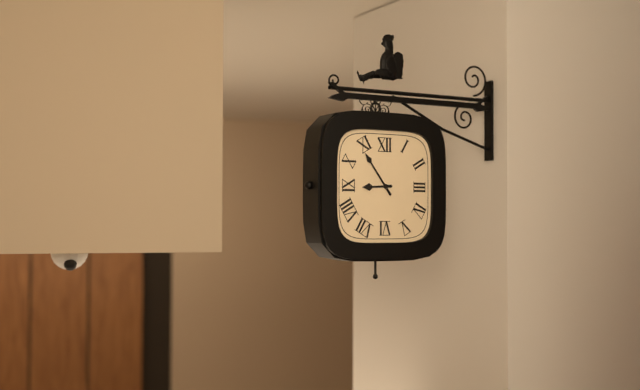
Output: {"hour": 8, "minute": 54}
